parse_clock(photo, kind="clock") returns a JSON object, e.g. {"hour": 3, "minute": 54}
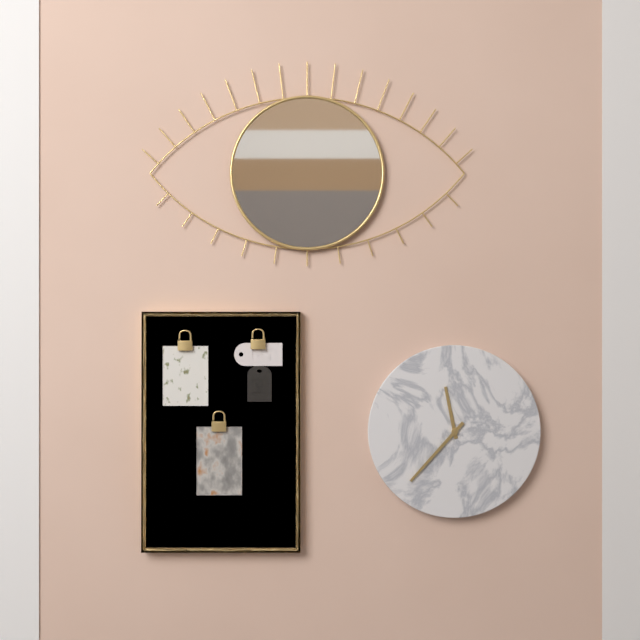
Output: {"hour": 11, "minute": 37}
